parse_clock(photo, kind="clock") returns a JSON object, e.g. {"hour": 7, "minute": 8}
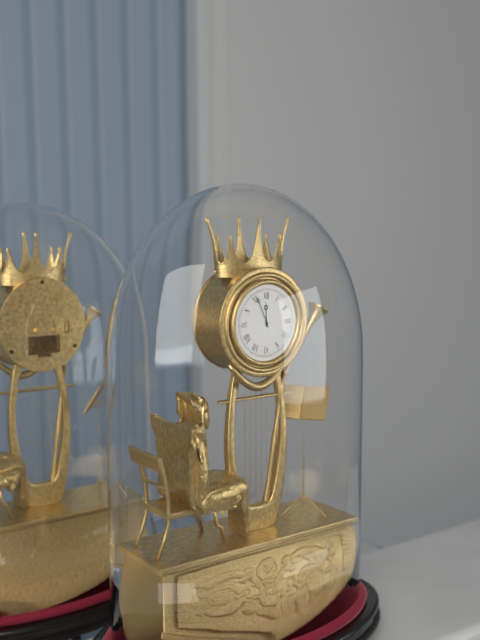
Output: {"hour": 11, "minute": 56}
